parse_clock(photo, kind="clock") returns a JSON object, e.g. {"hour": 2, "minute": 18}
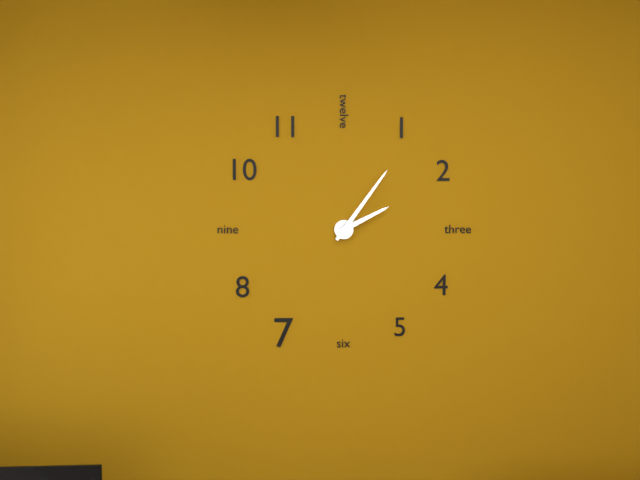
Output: {"hour": 2, "minute": 6}
